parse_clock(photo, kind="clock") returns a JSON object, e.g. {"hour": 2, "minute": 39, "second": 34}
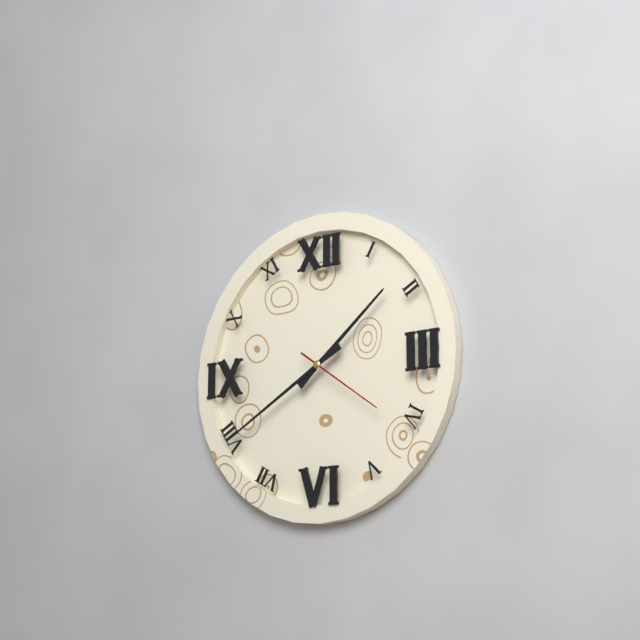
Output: {"hour": 1, "minute": 40, "second": 21}
